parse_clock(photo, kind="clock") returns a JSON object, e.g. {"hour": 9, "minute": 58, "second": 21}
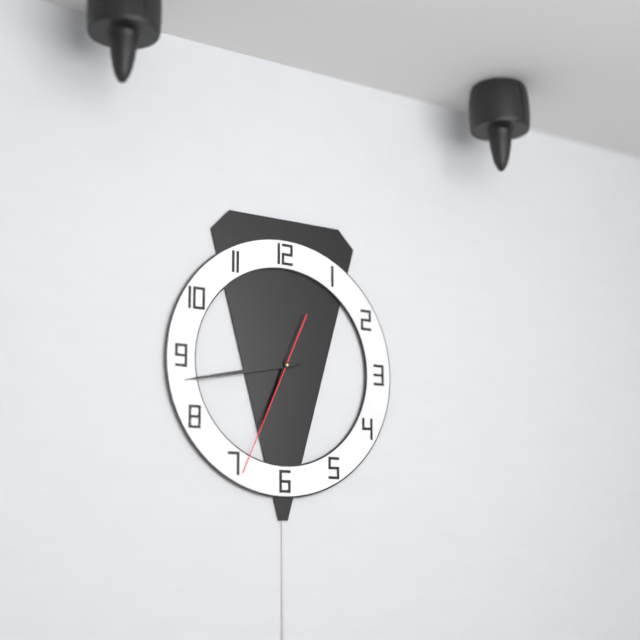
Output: {"hour": 6, "minute": 43, "second": 34}
